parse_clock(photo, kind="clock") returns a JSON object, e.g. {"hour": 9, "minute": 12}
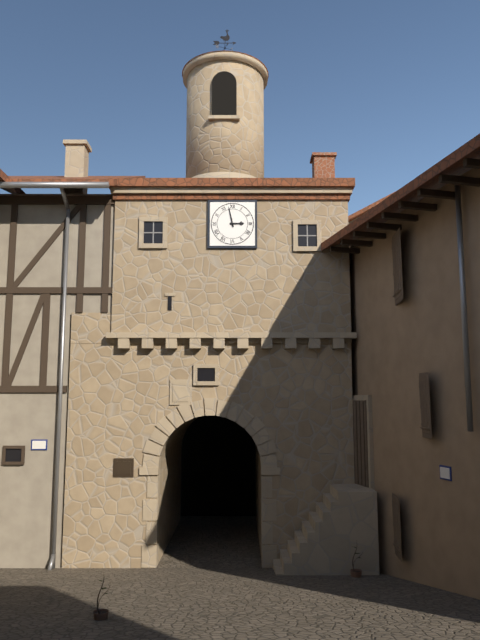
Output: {"hour": 2, "minute": 58}
